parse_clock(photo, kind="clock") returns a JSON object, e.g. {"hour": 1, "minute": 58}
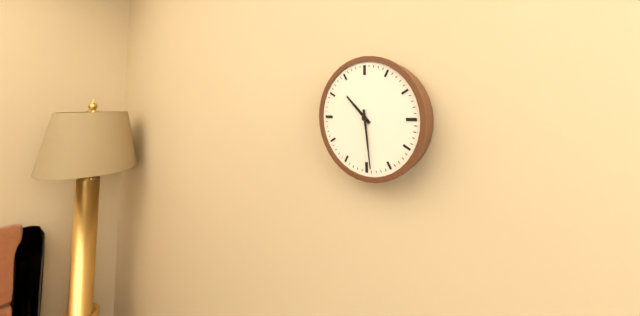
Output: {"hour": 10, "minute": 29}
